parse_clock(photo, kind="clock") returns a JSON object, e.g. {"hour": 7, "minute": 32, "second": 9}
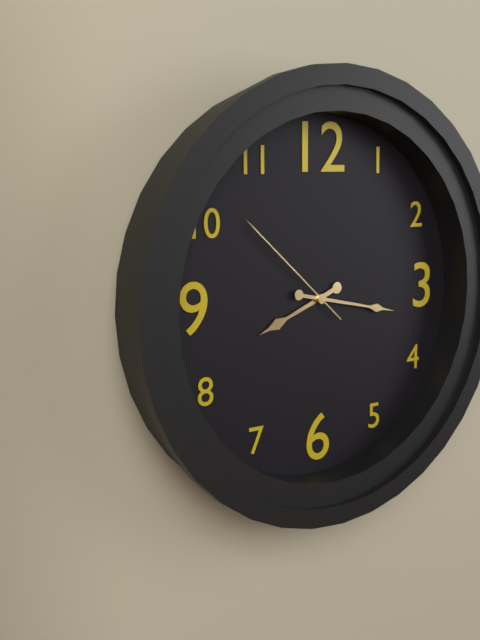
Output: {"hour": 8, "minute": 17, "second": 52}
